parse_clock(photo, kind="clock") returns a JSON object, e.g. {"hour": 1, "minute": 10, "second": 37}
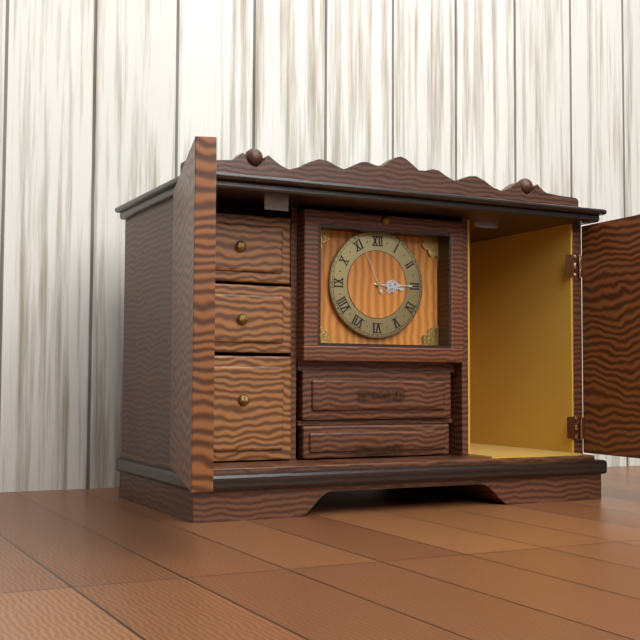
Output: {"hour": 3, "minute": 15, "second": 56}
